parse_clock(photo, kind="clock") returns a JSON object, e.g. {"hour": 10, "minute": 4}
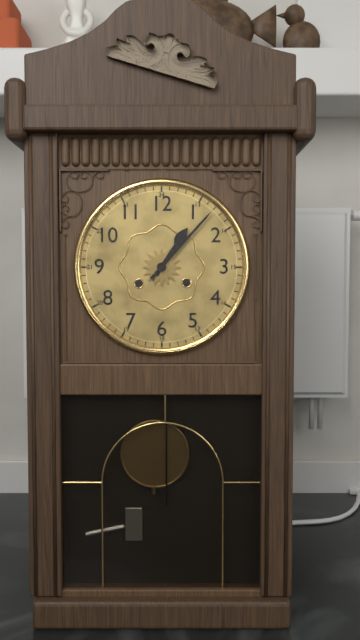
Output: {"hour": 1, "minute": 7}
